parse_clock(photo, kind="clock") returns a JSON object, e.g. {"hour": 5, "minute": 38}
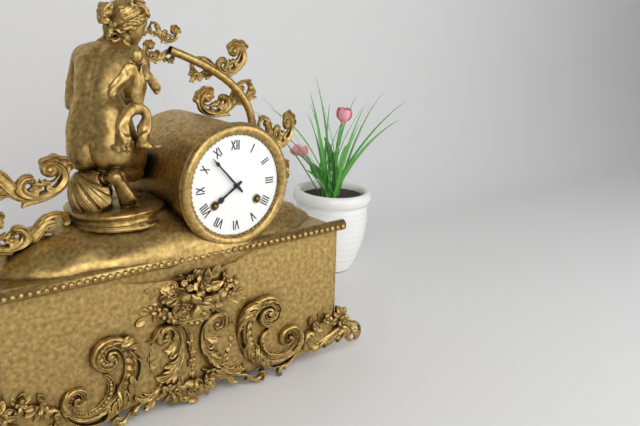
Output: {"hour": 7, "minute": 53}
